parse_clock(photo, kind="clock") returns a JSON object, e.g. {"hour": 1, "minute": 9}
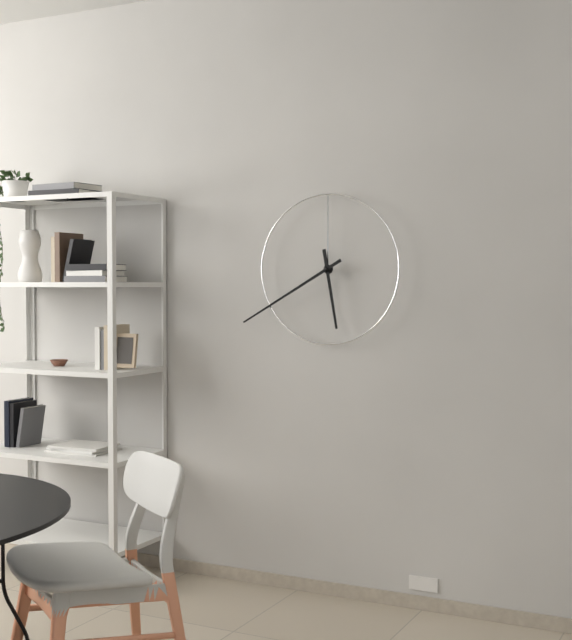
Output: {"hour": 5, "minute": 40}
